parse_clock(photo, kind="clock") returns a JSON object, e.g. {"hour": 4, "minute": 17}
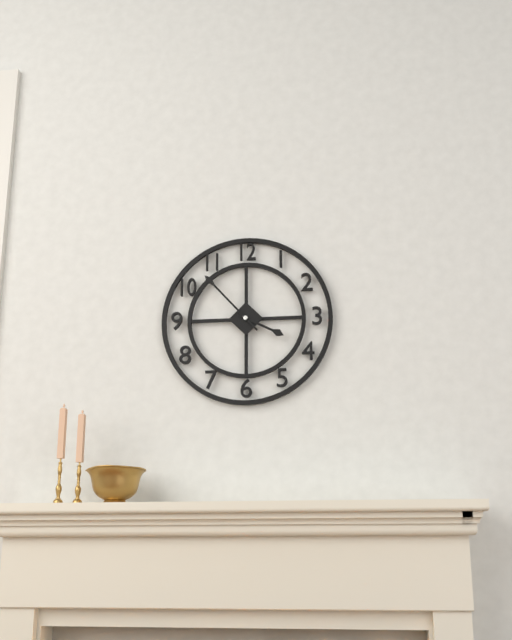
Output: {"hour": 3, "minute": 53}
